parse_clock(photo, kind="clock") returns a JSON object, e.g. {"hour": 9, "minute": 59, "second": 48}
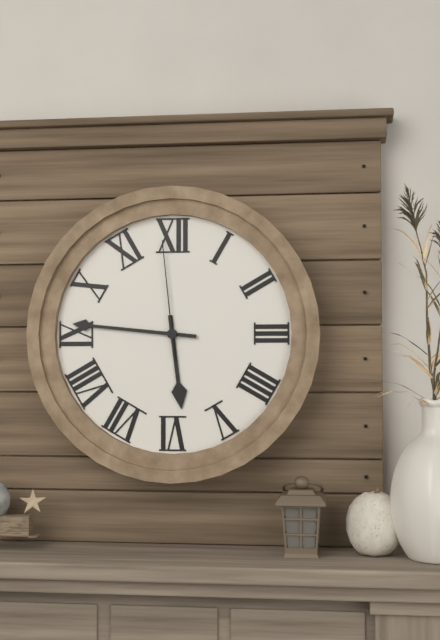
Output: {"hour": 5, "minute": 46, "second": 59}
